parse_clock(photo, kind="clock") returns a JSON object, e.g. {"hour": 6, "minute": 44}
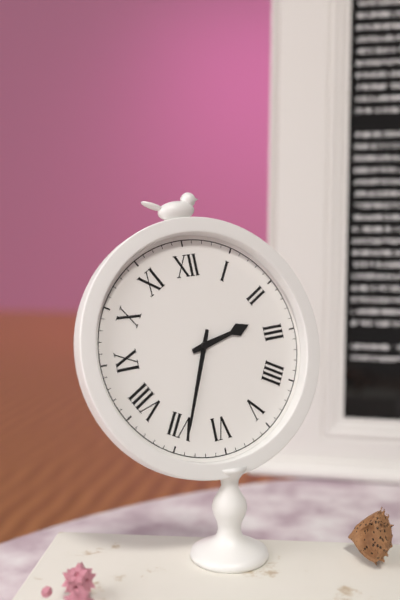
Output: {"hour": 2, "minute": 34}
